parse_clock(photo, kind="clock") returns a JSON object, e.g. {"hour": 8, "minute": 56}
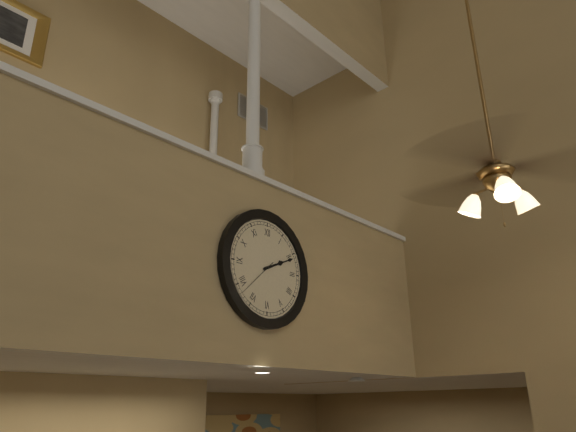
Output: {"hour": 2, "minute": 11}
